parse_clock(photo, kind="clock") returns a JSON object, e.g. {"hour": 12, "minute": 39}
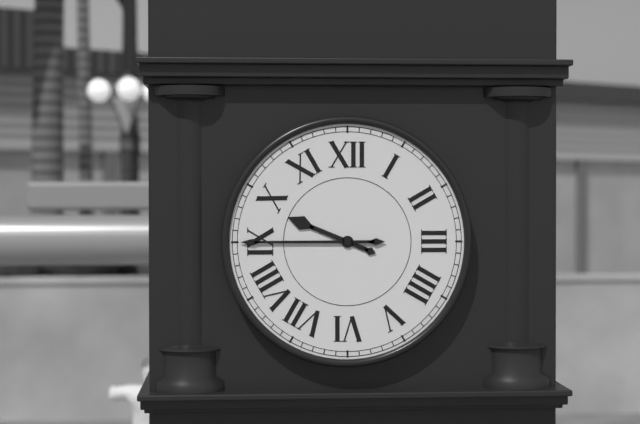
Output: {"hour": 9, "minute": 45}
